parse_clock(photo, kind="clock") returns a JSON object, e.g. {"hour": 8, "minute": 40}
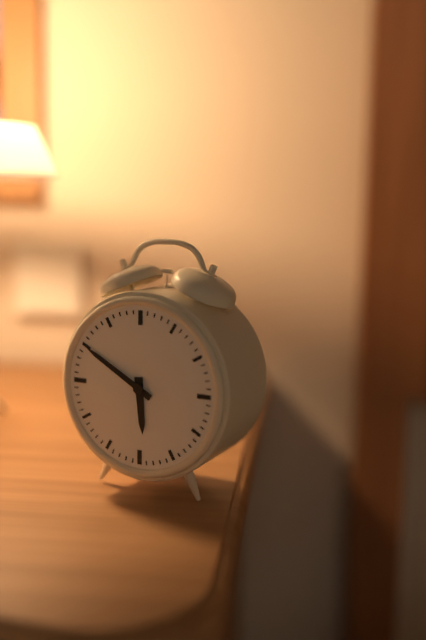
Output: {"hour": 5, "minute": 50}
